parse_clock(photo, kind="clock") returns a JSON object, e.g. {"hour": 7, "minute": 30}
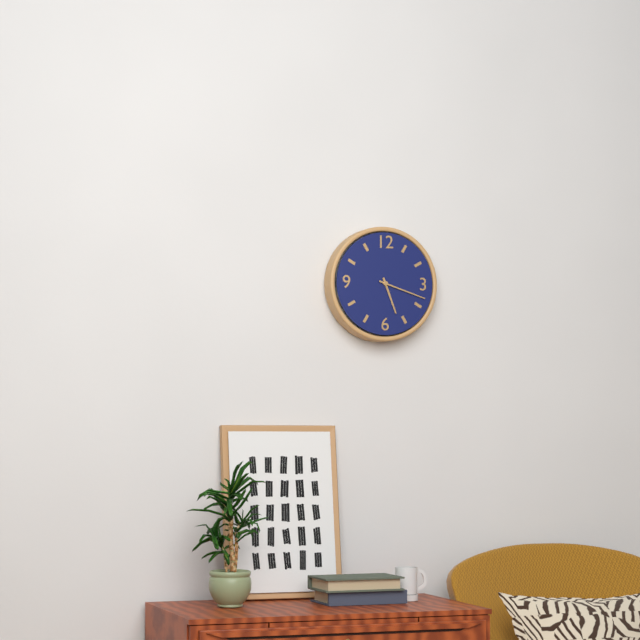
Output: {"hour": 5, "minute": 18}
